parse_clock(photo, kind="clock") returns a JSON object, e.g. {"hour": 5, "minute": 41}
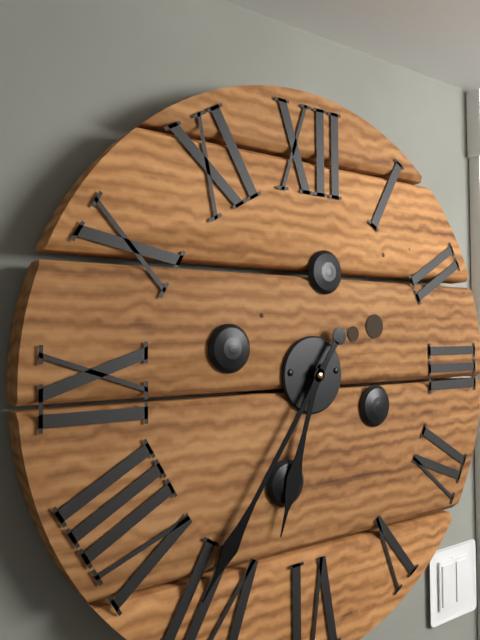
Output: {"hour": 6, "minute": 36}
